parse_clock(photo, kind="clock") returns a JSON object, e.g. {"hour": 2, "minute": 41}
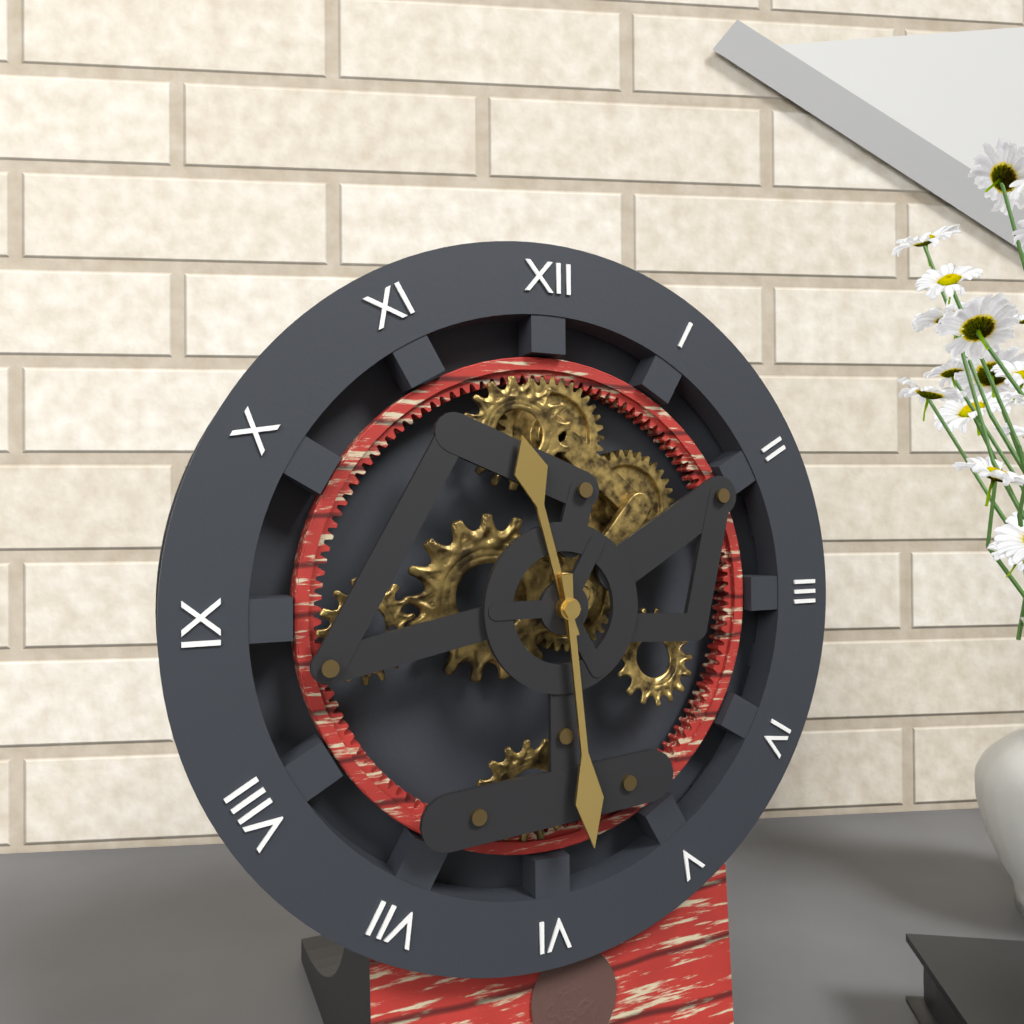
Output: {"hour": 11, "minute": 29}
